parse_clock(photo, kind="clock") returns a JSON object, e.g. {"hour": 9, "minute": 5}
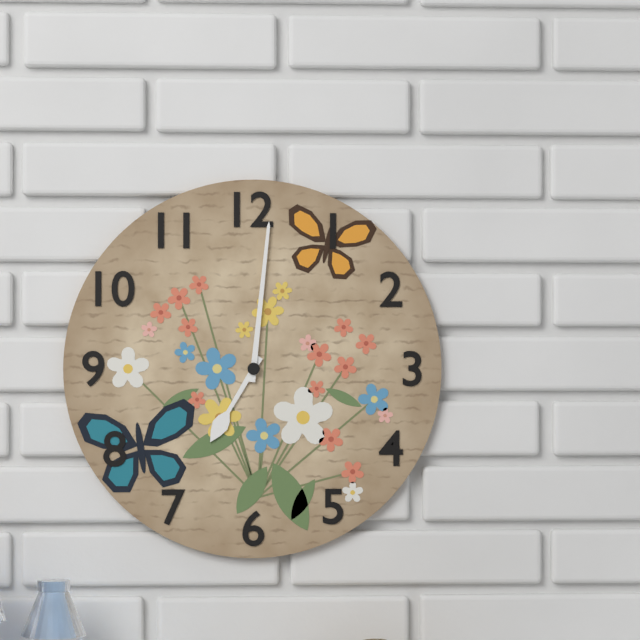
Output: {"hour": 7, "minute": 1}
